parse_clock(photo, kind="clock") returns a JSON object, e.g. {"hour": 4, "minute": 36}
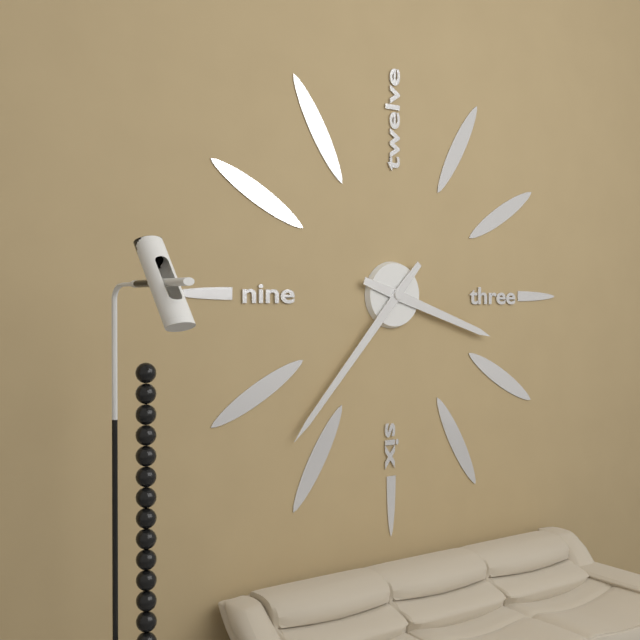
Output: {"hour": 3, "minute": 37}
